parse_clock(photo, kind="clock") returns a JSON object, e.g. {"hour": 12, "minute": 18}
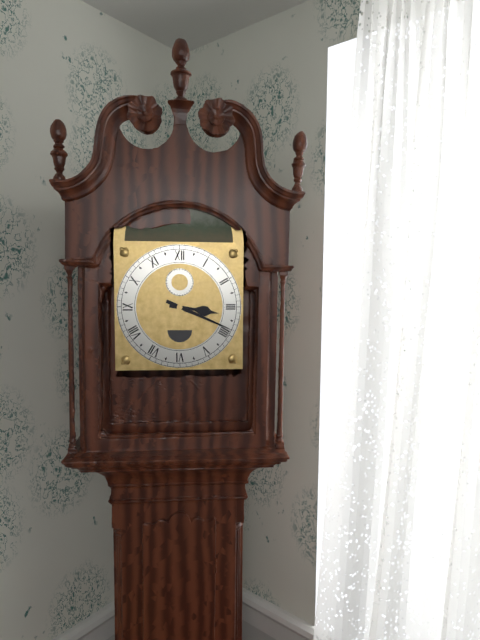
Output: {"hour": 3, "minute": 19}
